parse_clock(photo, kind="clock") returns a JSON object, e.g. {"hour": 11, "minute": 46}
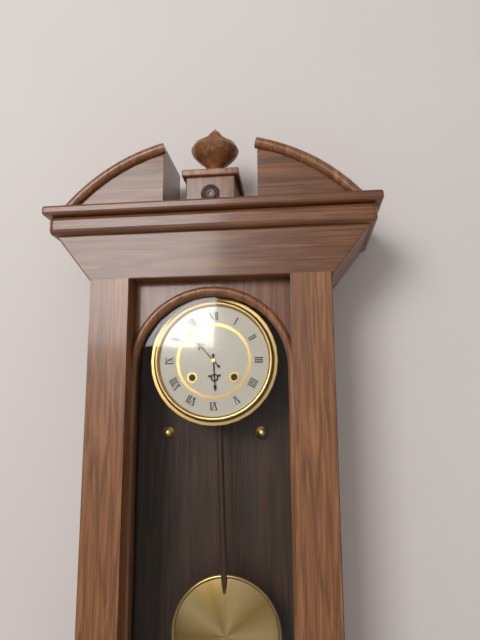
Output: {"hour": 5, "minute": 53}
